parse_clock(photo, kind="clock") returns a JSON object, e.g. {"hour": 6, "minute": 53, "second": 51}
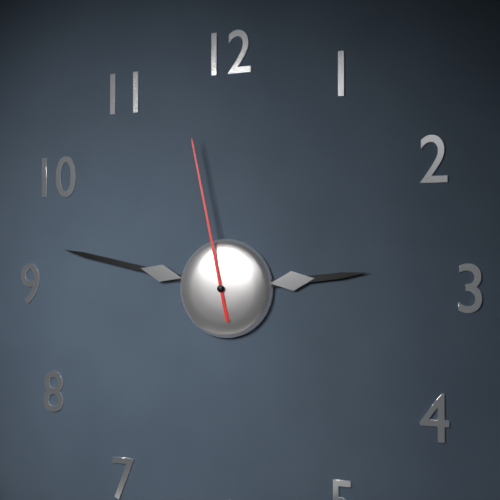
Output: {"hour": 2, "minute": 47, "second": 58}
